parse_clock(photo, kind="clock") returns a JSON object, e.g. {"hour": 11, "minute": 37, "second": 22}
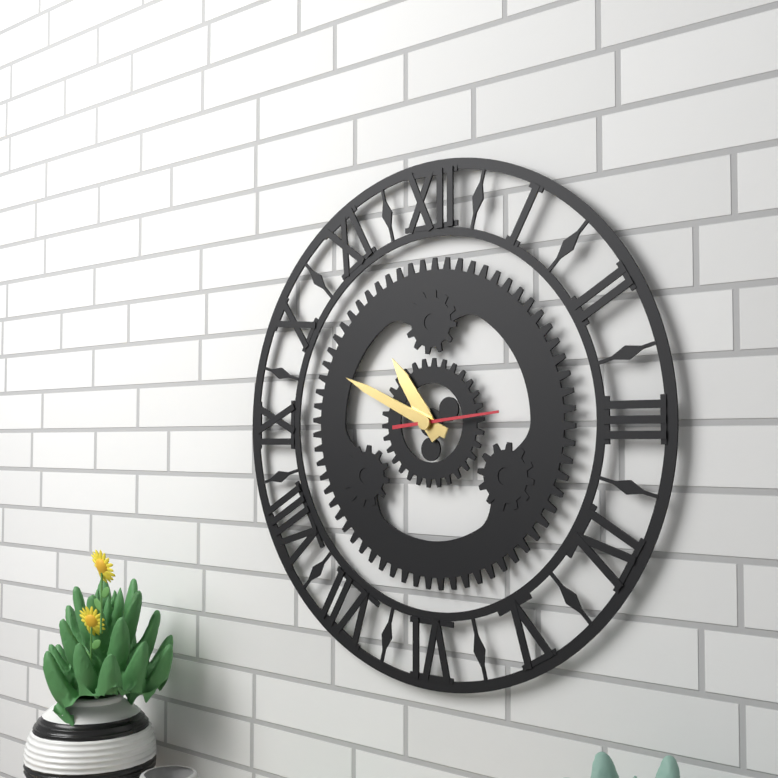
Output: {"hour": 10, "minute": 49, "second": 14}
